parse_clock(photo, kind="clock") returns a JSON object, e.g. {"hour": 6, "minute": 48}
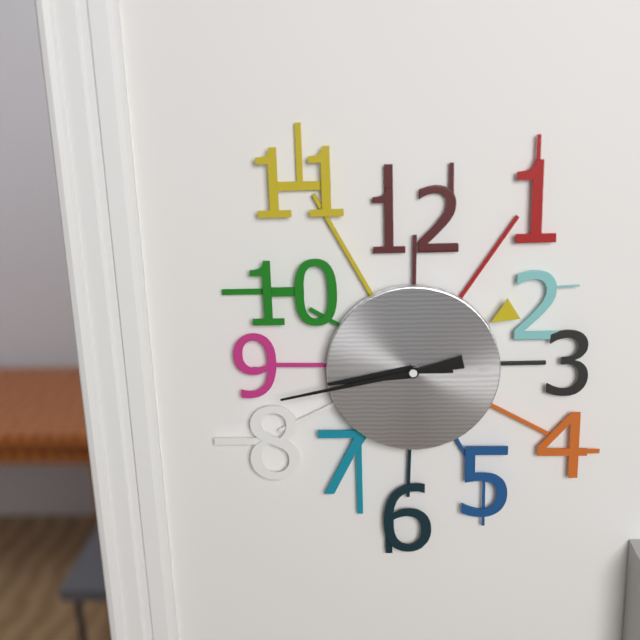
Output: {"hour": 8, "minute": 43}
